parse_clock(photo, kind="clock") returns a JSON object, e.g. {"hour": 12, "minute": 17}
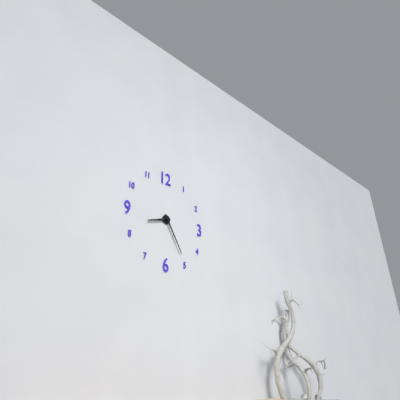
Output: {"hour": 8, "minute": 25}
